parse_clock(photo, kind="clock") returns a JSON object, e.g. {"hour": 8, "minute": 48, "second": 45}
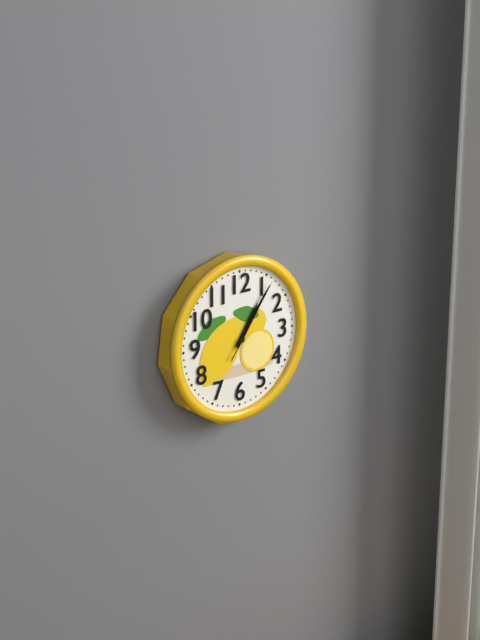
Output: {"hour": 1, "minute": 6, "second": 6}
